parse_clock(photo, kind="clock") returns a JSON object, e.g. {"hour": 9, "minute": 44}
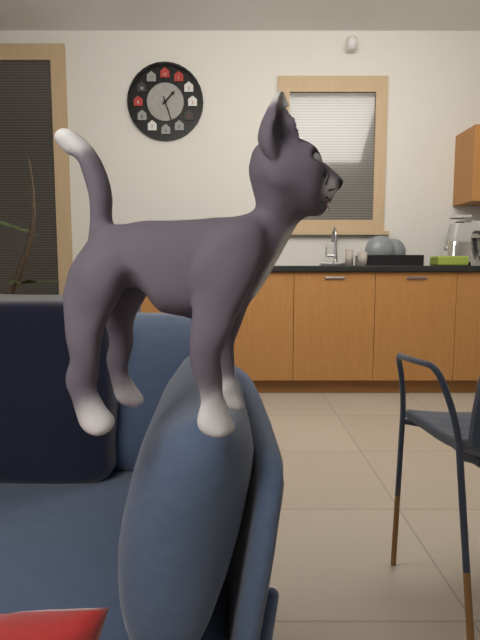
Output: {"hour": 1, "minute": 27}
